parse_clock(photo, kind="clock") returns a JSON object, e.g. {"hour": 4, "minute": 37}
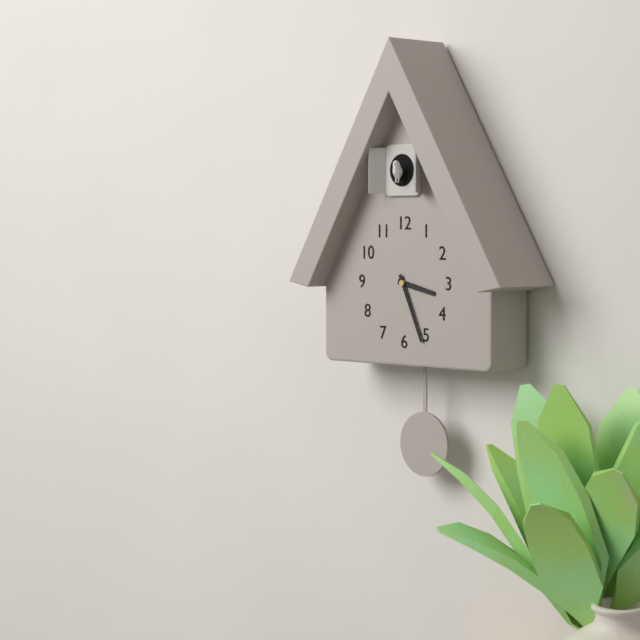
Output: {"hour": 3, "minute": 26}
